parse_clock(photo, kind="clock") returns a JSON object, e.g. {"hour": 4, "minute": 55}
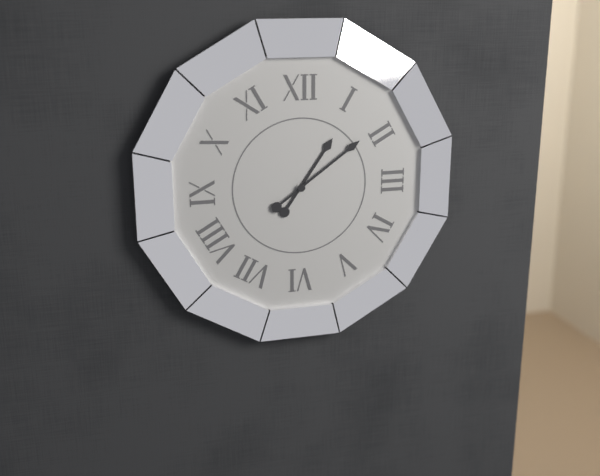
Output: {"hour": 1, "minute": 9}
